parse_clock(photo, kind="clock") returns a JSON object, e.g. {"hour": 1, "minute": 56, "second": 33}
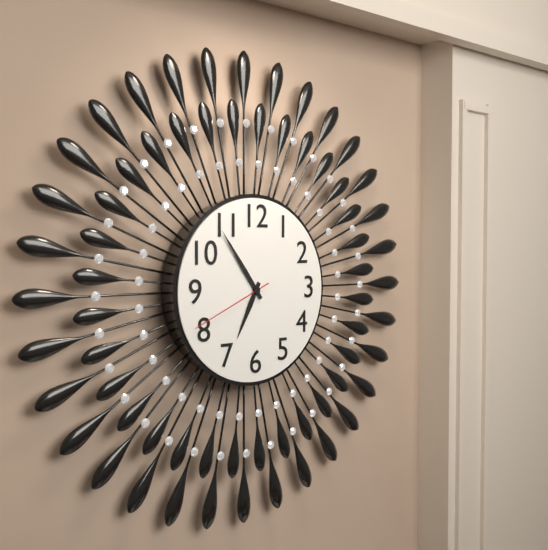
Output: {"hour": 6, "minute": 54, "second": 41}
